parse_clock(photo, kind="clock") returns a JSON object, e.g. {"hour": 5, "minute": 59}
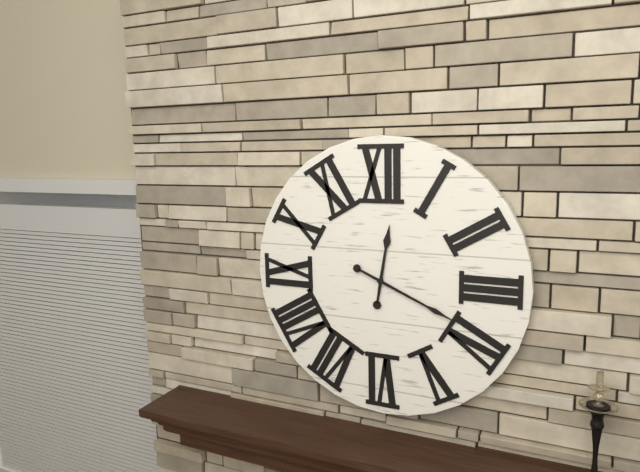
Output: {"hour": 12, "minute": 19}
